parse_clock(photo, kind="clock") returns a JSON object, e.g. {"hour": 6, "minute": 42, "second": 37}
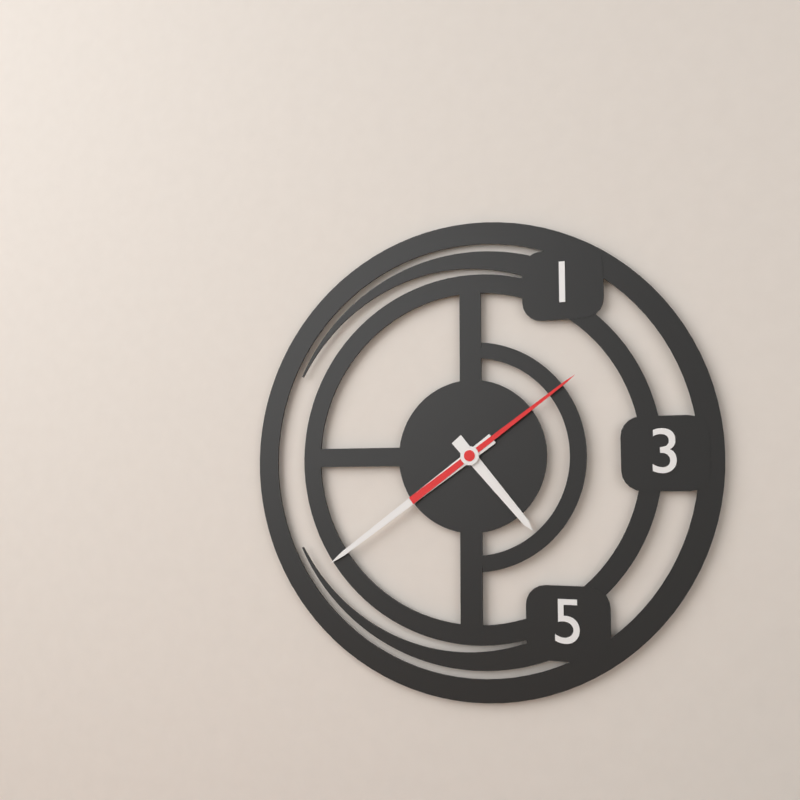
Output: {"hour": 4, "minute": 39, "second": 9}
